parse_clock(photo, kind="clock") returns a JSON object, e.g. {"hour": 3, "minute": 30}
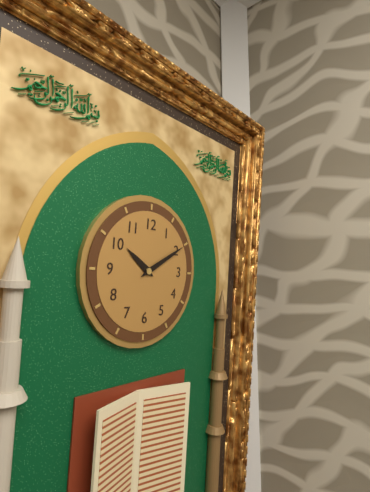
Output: {"hour": 10, "minute": 10}
